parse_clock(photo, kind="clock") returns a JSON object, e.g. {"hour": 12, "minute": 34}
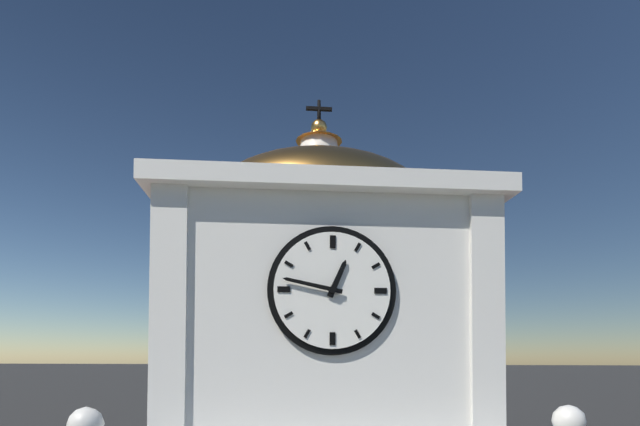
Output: {"hour": 12, "minute": 47}
